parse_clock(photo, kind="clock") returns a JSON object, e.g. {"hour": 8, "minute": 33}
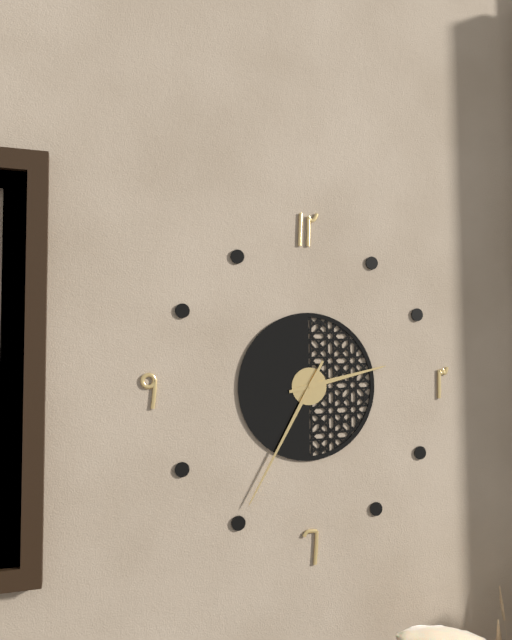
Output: {"hour": 2, "minute": 35}
